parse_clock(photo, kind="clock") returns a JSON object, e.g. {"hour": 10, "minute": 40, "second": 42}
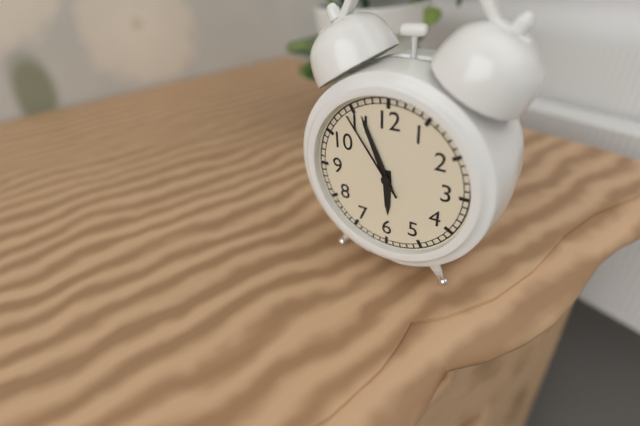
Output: {"hour": 5, "minute": 56, "second": 54}
